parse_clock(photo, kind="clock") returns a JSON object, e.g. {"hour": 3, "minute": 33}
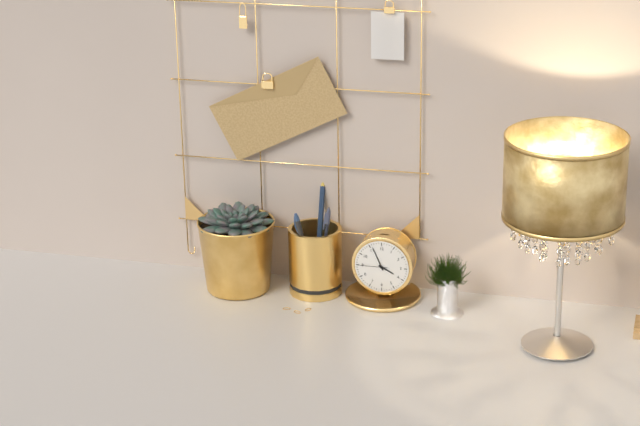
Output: {"hour": 3, "minute": 56}
